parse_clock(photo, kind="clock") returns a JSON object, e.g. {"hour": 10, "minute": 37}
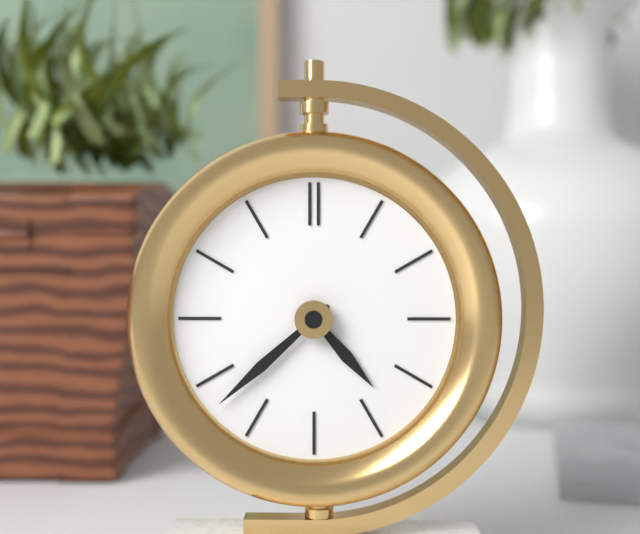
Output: {"hour": 4, "minute": 38}
